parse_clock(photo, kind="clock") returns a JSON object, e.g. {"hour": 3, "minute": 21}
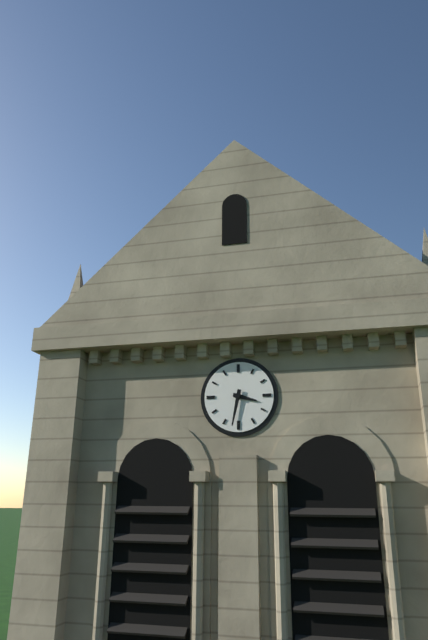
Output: {"hour": 3, "minute": 32}
